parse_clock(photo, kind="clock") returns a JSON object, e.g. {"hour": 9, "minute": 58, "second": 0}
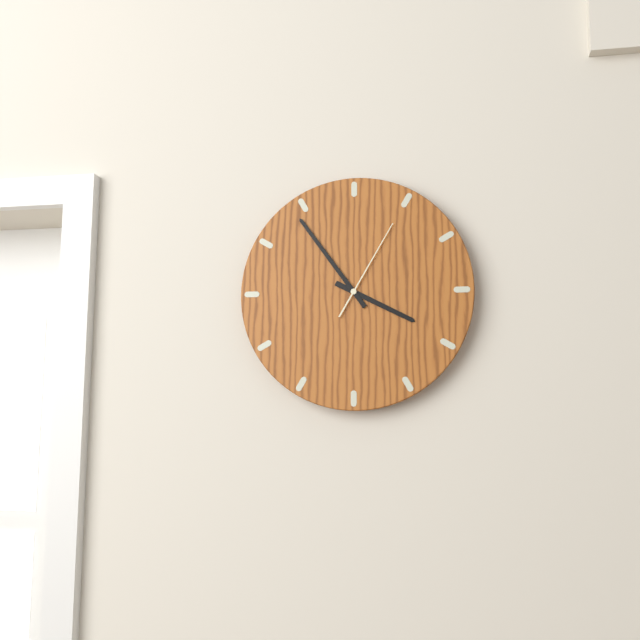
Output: {"hour": 3, "minute": 54, "second": 5}
